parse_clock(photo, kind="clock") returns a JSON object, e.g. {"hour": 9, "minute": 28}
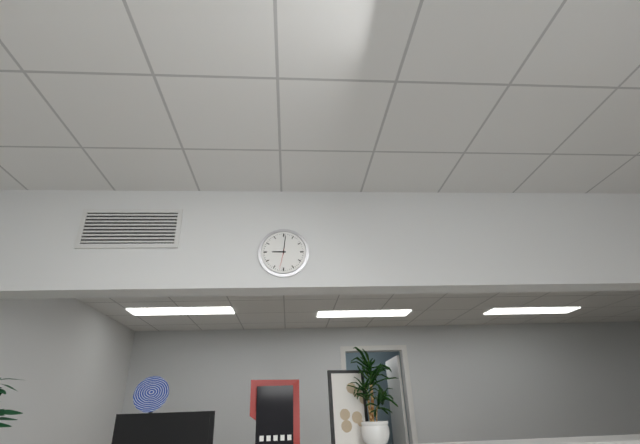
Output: {"hour": 9, "minute": 1}
